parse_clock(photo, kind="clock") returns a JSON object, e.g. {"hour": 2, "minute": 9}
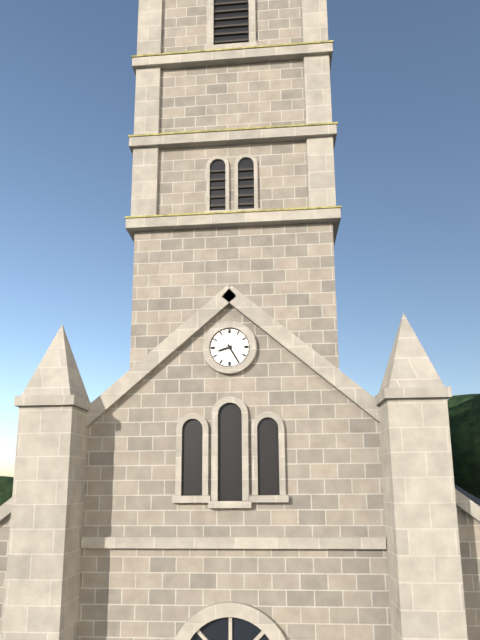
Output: {"hour": 8, "minute": 25}
